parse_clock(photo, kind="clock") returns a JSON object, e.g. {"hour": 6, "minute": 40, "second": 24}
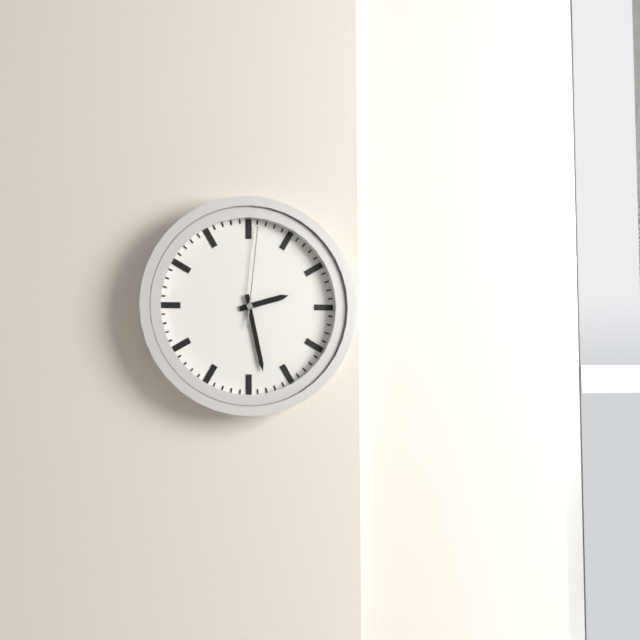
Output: {"hour": 2, "minute": 28, "second": 1}
